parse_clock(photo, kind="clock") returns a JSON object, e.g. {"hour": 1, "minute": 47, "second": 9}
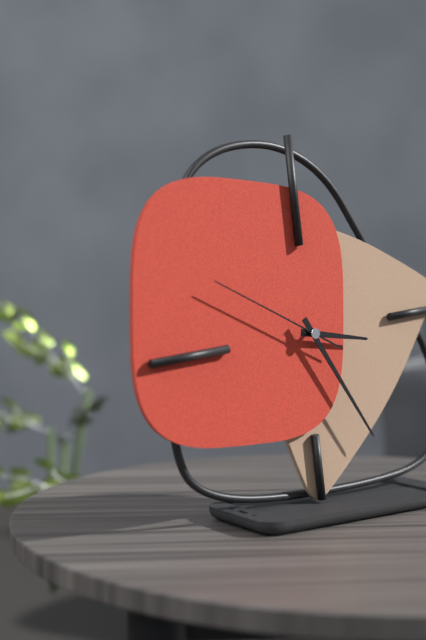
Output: {"hour": 3, "minute": 25, "second": 50}
